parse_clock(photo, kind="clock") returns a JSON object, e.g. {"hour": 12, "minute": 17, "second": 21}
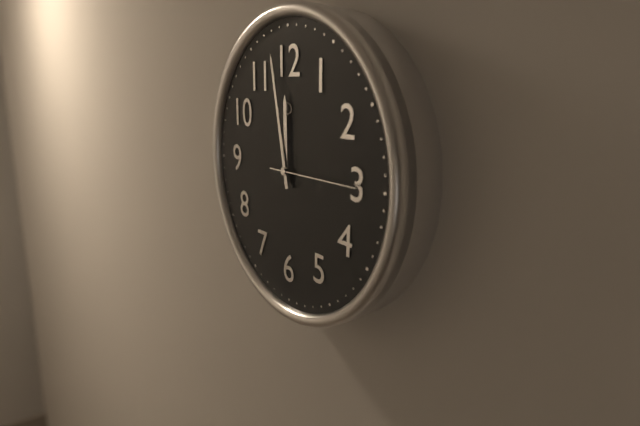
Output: {"hour": 11, "minute": 58, "second": 15}
